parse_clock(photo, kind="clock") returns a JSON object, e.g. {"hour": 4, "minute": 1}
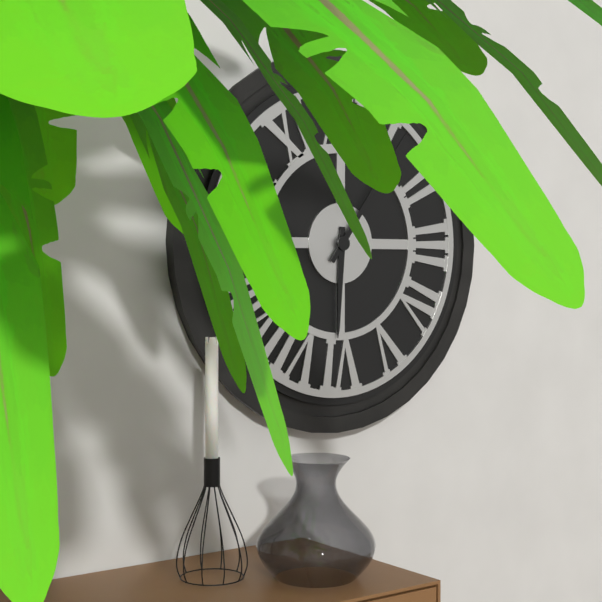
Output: {"hour": 6, "minute": 6}
